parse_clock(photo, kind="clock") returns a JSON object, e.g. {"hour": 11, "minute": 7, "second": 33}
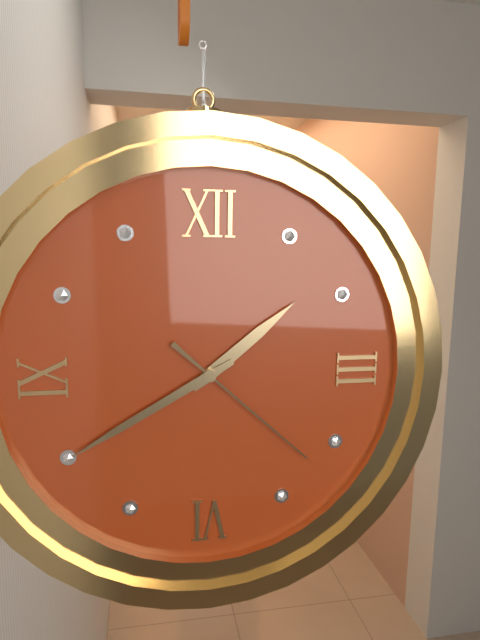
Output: {"hour": 1, "minute": 40, "second": 22}
